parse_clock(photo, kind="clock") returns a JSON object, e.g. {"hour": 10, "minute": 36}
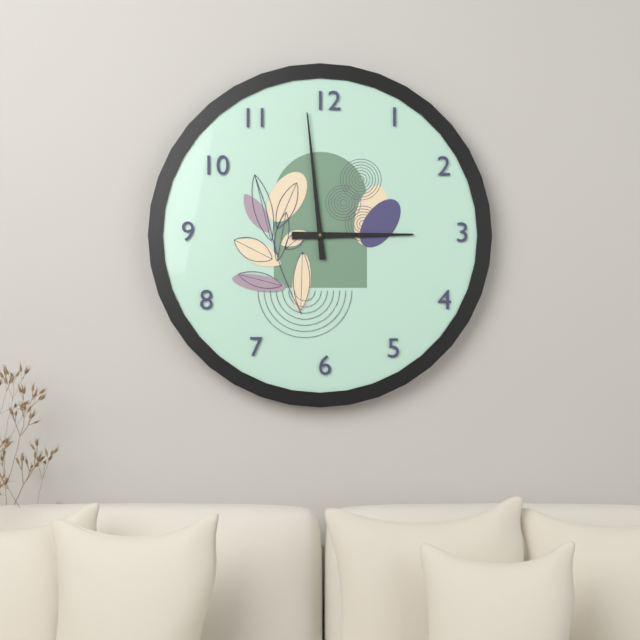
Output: {"hour": 2, "minute": 59}
